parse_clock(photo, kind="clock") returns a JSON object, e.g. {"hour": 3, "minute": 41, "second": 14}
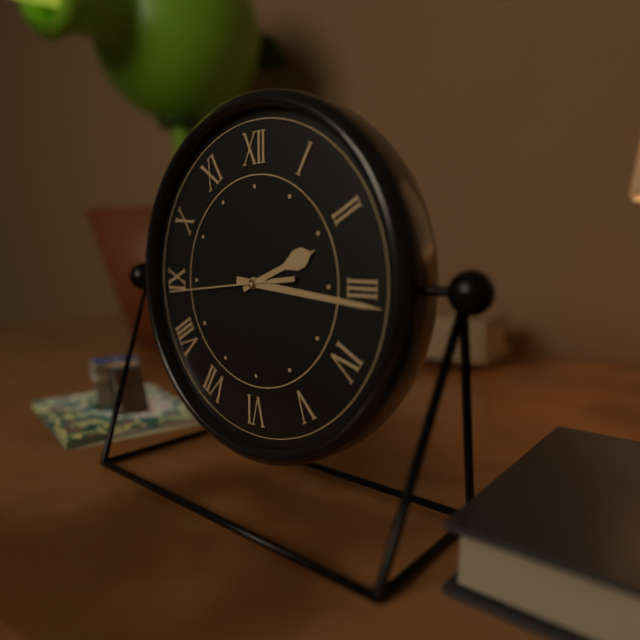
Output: {"hour": 2, "minute": 16, "second": 44}
